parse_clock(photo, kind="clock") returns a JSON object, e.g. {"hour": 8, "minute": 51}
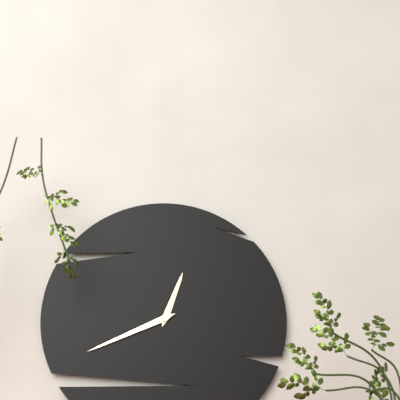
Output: {"hour": 12, "minute": 41}
